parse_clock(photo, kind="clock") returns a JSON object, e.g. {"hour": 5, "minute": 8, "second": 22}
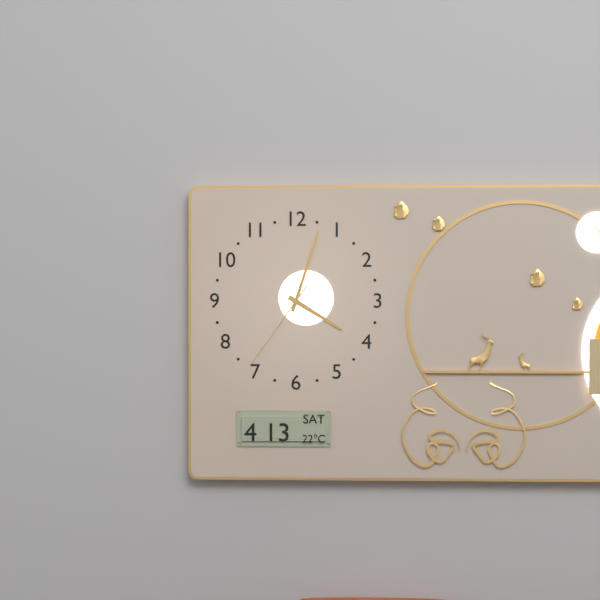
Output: {"hour": 4, "minute": 3, "second": 36}
